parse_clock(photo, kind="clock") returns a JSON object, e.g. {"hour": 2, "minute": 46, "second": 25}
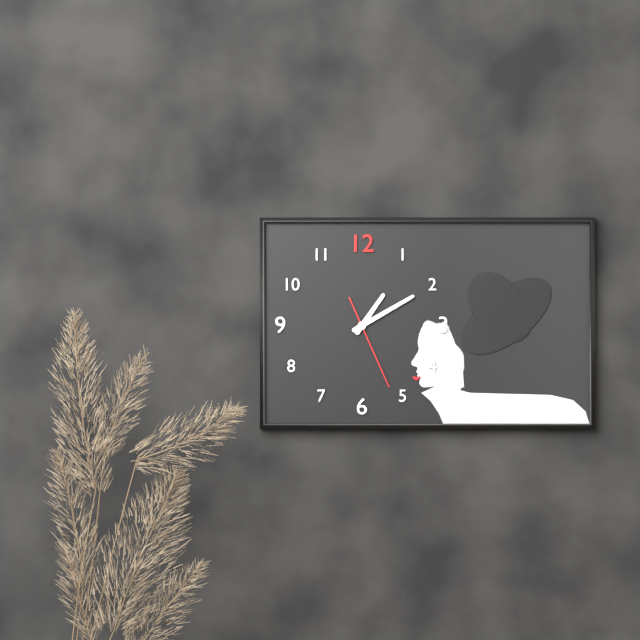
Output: {"hour": 1, "minute": 10, "second": 26}
